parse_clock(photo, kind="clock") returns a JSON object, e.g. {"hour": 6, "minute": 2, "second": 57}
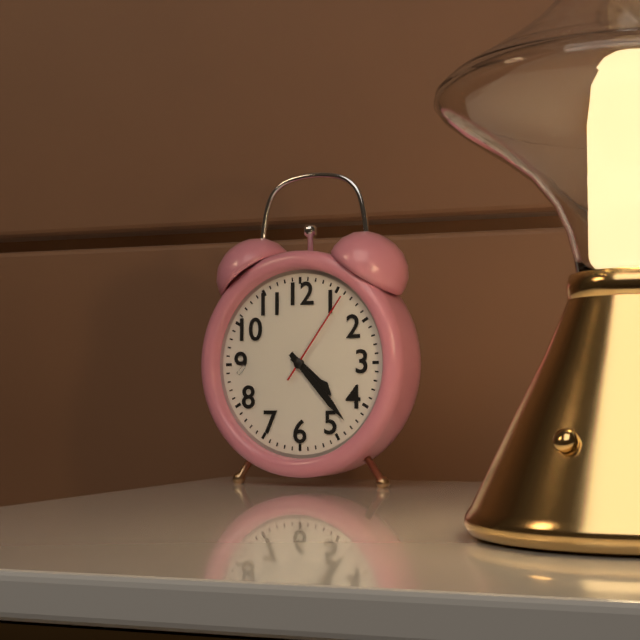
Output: {"hour": 4, "minute": 23, "second": 6}
